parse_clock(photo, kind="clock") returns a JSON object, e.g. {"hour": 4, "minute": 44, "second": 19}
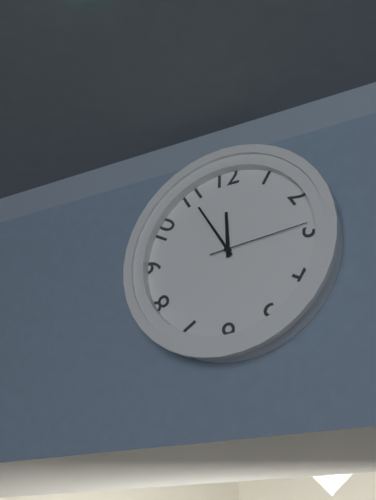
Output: {"hour": 11, "minute": 55, "second": 14}
